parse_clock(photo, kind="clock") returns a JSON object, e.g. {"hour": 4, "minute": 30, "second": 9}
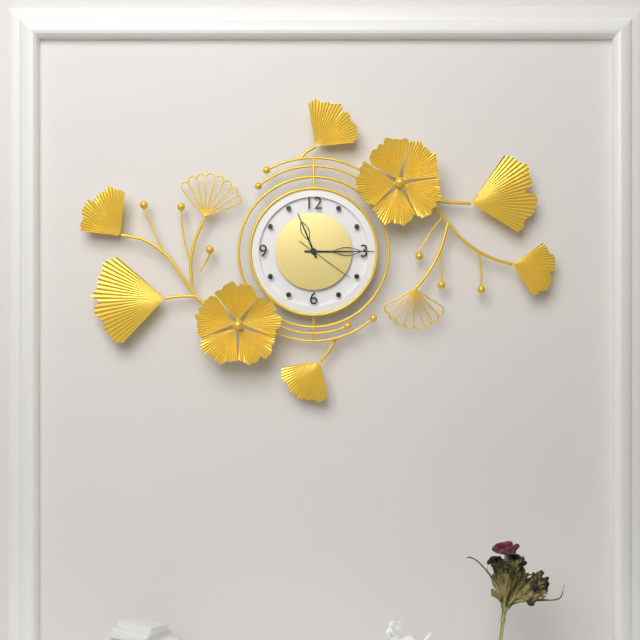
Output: {"hour": 11, "minute": 15, "second": 21}
